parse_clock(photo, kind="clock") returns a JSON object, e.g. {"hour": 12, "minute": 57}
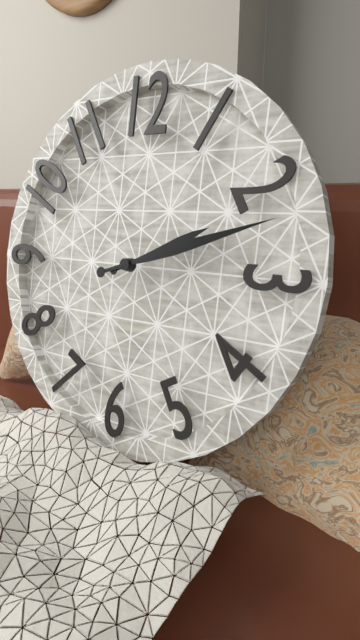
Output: {"hour": 2, "minute": 12}
